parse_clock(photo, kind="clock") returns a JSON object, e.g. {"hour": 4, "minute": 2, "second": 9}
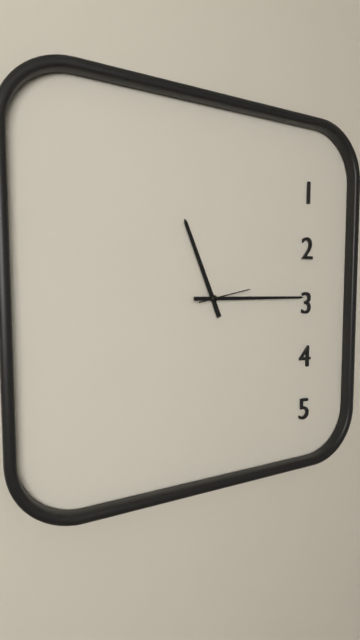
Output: {"hour": 11, "minute": 15, "second": 13}
